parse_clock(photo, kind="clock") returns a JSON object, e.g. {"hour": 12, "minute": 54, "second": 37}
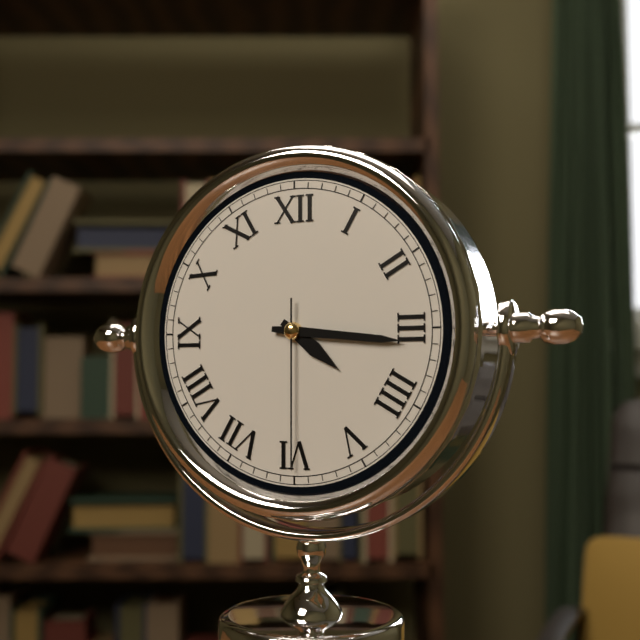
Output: {"hour": 4, "minute": 16, "second": 30}
